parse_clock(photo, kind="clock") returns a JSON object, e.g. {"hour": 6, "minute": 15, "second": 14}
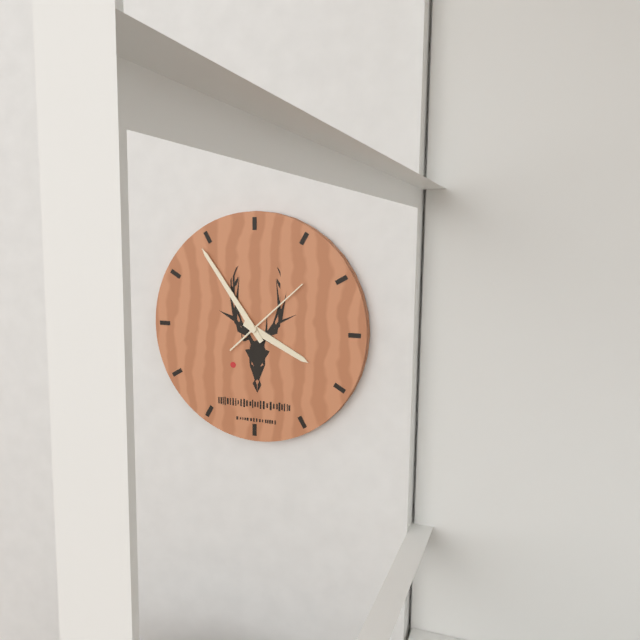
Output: {"hour": 3, "minute": 54, "second": 8}
